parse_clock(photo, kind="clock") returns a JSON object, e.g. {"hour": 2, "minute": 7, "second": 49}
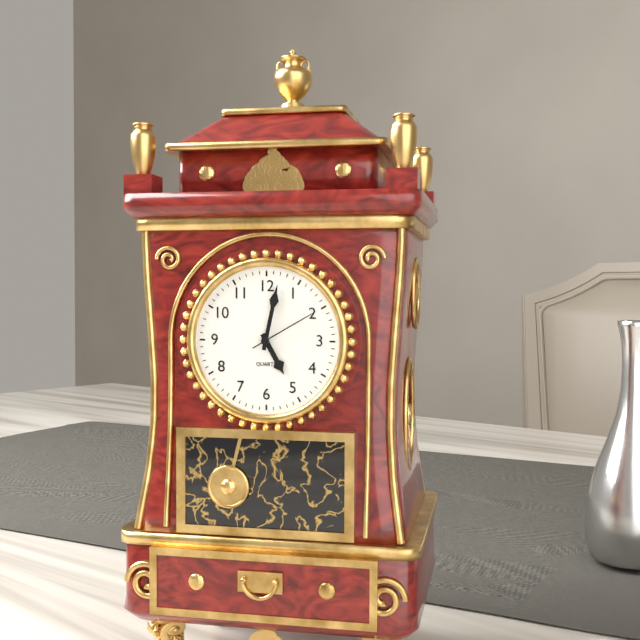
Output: {"hour": 5, "minute": 2, "second": 10}
